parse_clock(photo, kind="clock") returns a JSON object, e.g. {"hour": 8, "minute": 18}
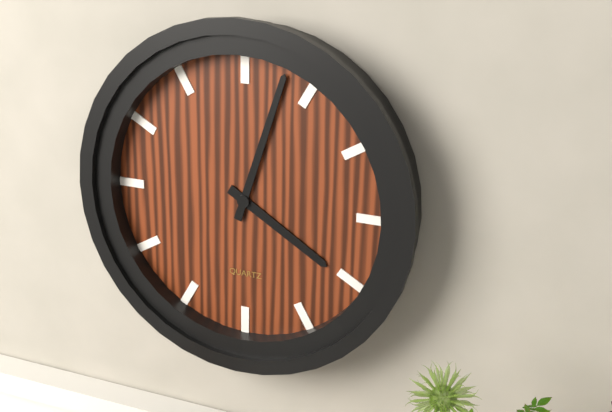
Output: {"hour": 4, "minute": 3}
